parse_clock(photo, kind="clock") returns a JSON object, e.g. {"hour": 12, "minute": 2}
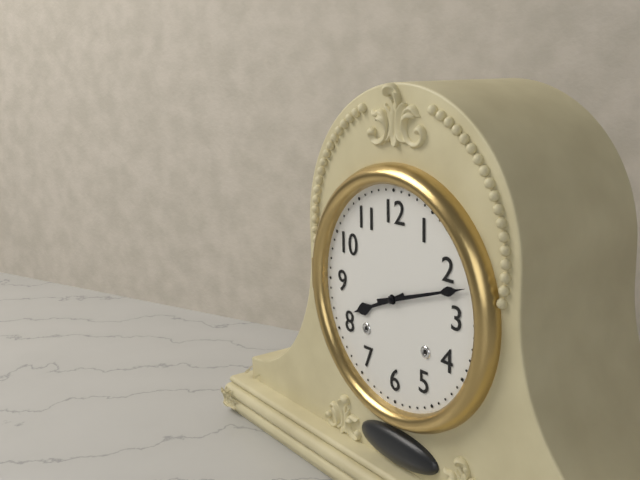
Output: {"hour": 8, "minute": 12}
